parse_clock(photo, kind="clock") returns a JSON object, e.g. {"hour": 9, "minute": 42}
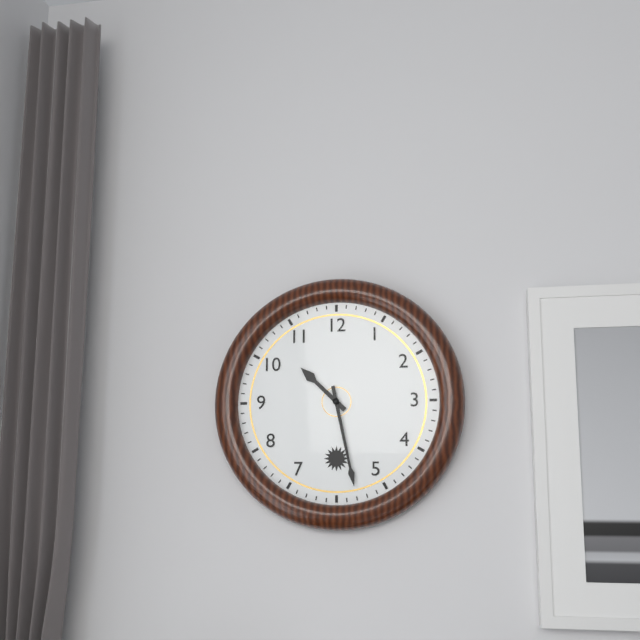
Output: {"hour": 10, "minute": 28}
